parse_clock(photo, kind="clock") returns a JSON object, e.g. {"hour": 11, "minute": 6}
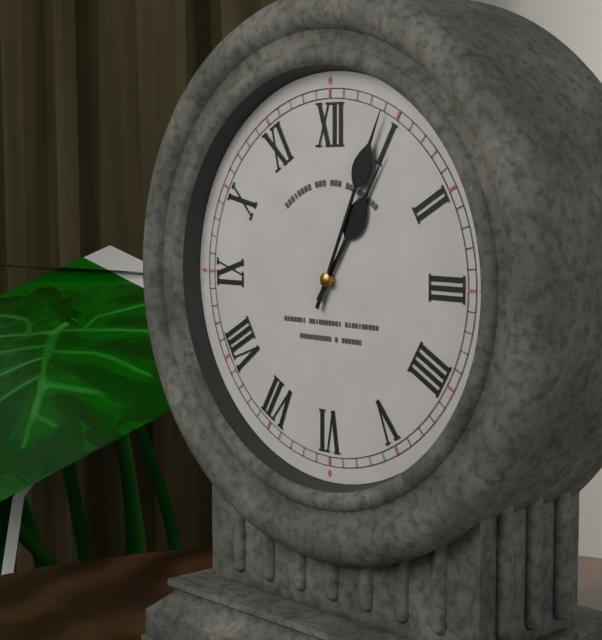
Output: {"hour": 1, "minute": 4}
